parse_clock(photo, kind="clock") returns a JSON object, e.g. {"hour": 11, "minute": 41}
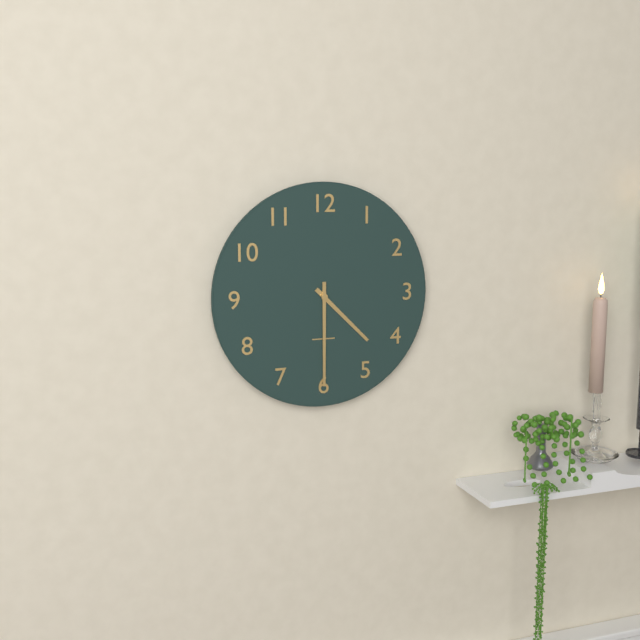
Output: {"hour": 4, "minute": 30}
